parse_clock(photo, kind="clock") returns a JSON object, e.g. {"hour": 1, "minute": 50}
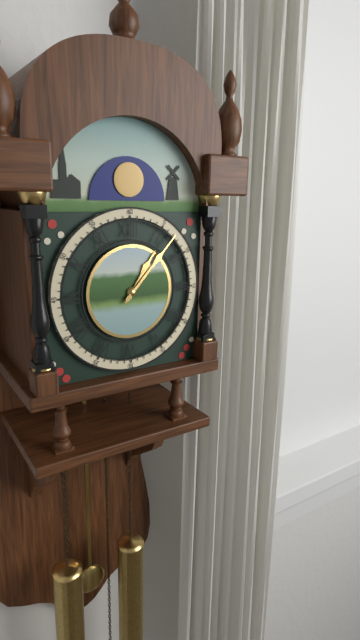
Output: {"hour": 1, "minute": 7}
